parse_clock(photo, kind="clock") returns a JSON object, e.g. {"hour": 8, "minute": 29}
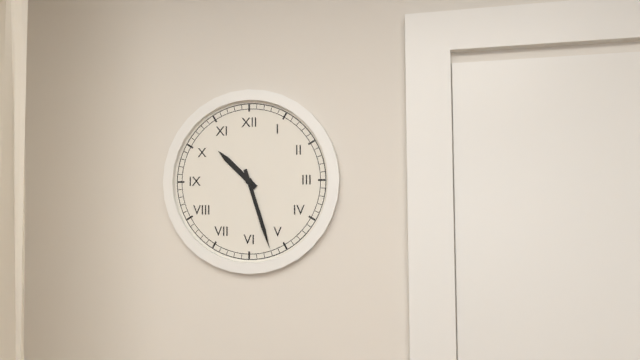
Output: {"hour": 10, "minute": 27}
